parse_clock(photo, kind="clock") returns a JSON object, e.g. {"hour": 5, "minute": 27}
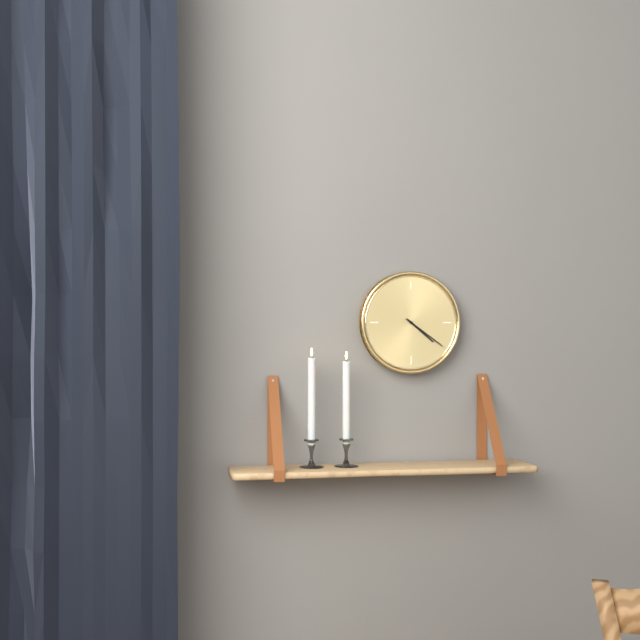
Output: {"hour": 4, "minute": 21}
